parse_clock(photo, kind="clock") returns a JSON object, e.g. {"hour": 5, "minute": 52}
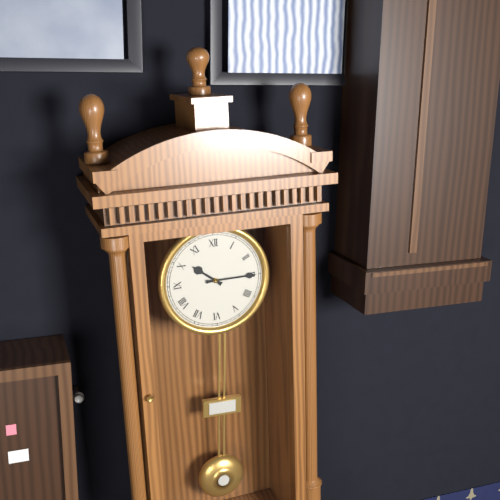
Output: {"hour": 10, "minute": 15}
